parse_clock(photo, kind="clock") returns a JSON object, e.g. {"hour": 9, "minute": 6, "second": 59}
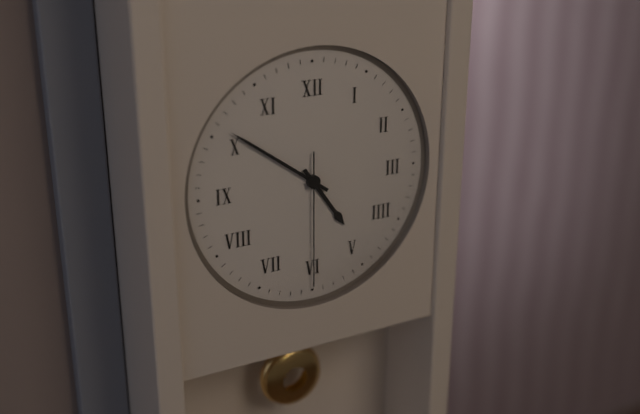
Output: {"hour": 4, "minute": 51, "second": 30}
